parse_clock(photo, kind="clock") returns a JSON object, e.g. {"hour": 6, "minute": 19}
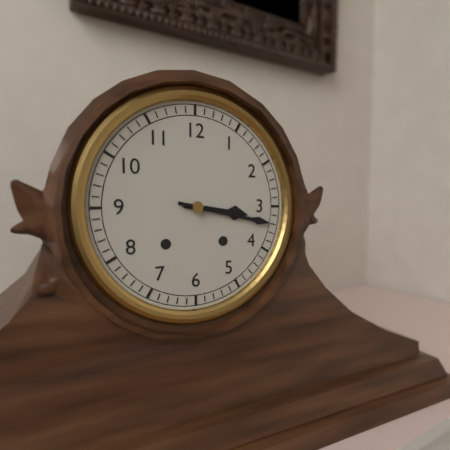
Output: {"hour": 3, "minute": 17}
